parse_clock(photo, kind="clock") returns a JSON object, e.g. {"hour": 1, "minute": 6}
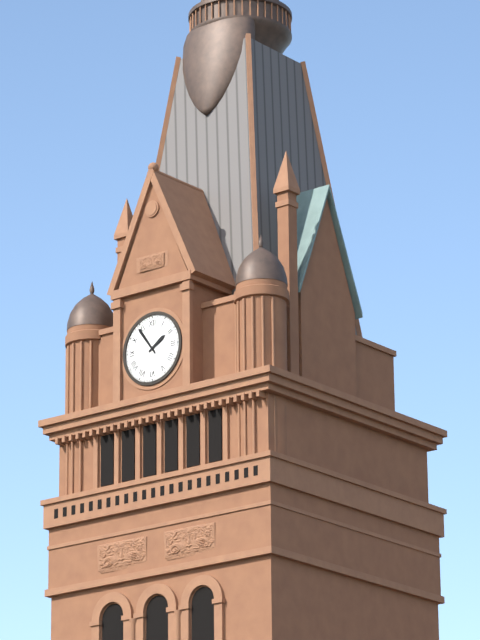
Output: {"hour": 1, "minute": 54}
